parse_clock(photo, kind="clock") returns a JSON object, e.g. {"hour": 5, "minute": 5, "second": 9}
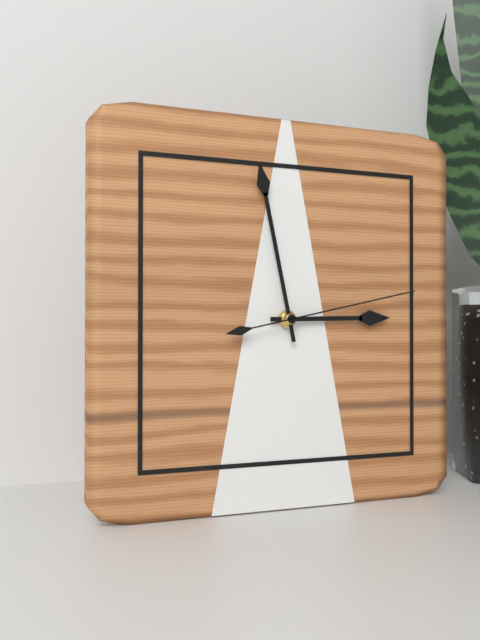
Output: {"hour": 2, "minute": 58, "second": 13}
